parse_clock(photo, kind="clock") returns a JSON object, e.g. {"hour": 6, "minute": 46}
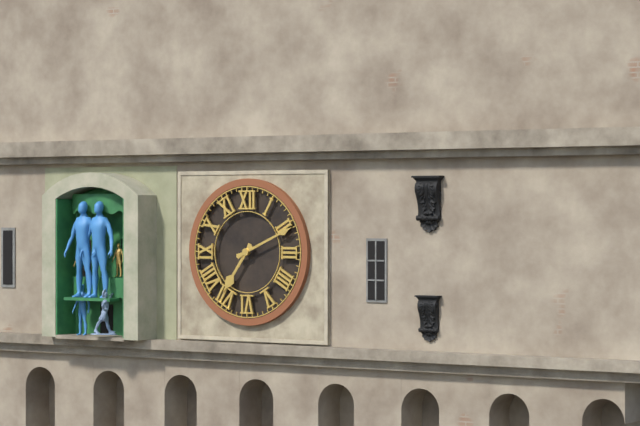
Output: {"hour": 7, "minute": 11}
